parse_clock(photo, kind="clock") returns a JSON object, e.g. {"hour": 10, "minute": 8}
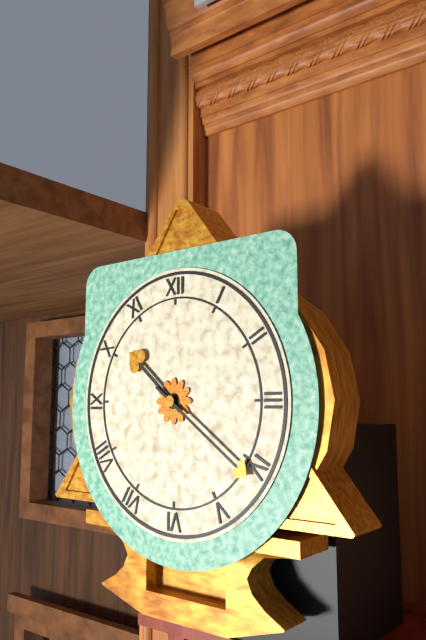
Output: {"hour": 10, "minute": 21}
